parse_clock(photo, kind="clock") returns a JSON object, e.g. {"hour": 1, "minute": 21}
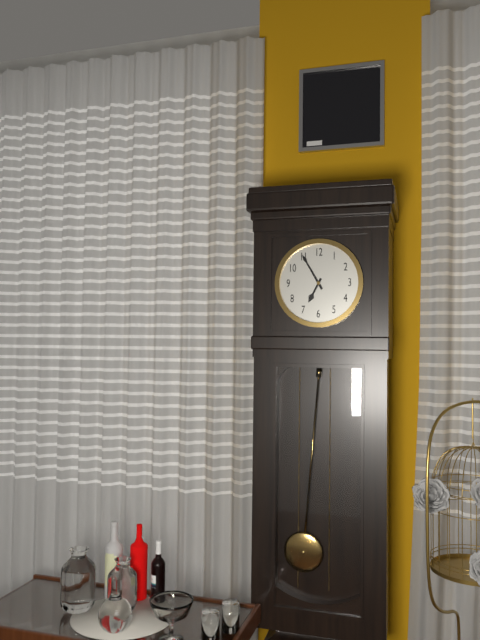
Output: {"hour": 6, "minute": 55}
